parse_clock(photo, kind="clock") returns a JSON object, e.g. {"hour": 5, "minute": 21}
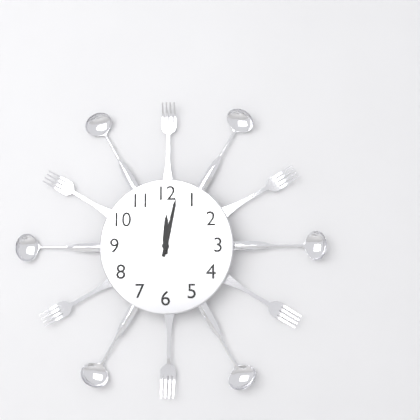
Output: {"hour": 12, "minute": 2}
